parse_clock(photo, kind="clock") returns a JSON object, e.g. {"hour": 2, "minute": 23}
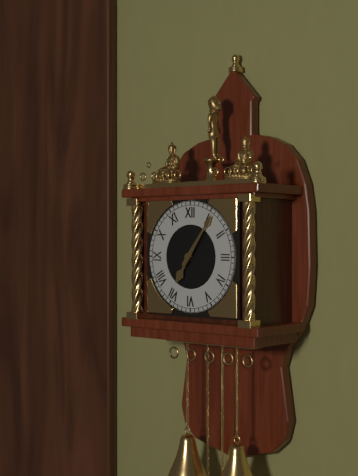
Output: {"hour": 7, "minute": 6}
